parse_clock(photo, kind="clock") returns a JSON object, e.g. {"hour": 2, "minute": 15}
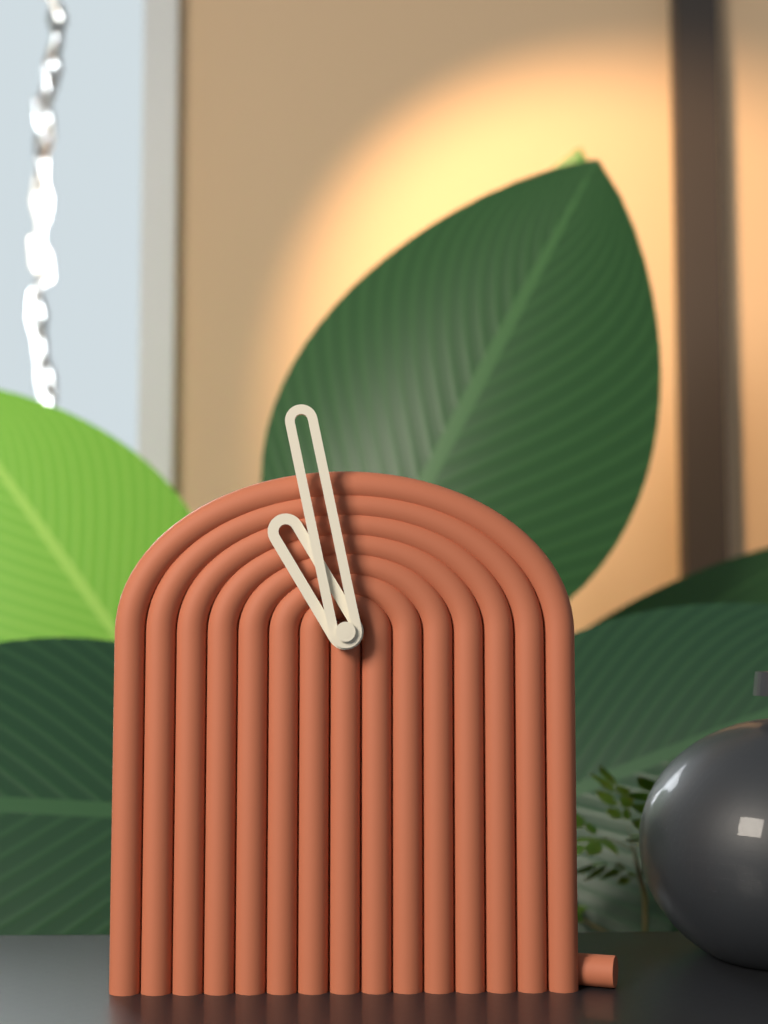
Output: {"hour": 10, "minute": 58}
